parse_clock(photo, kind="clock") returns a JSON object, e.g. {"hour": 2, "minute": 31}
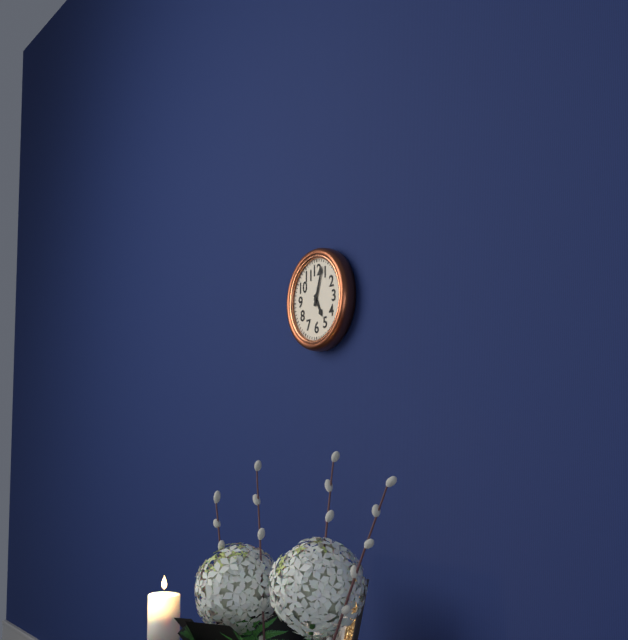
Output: {"hour": 5, "minute": 3}
